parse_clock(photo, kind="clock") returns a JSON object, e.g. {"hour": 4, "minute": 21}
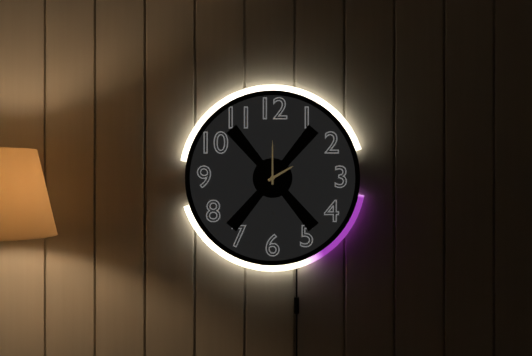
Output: {"hour": 2, "minute": 0}
